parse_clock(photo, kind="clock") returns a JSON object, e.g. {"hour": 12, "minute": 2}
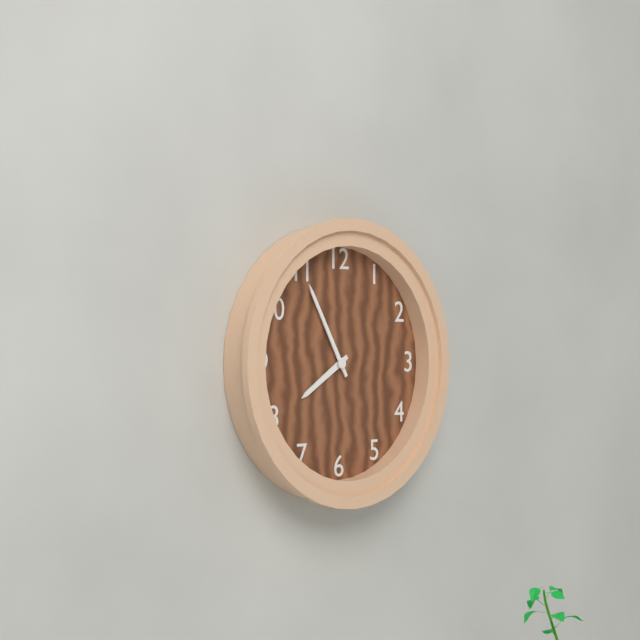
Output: {"hour": 7, "minute": 55}
